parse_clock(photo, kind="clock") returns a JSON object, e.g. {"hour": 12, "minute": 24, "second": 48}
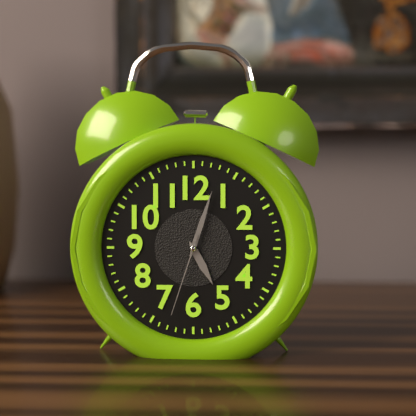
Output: {"hour": 5, "minute": 3, "second": 33}
